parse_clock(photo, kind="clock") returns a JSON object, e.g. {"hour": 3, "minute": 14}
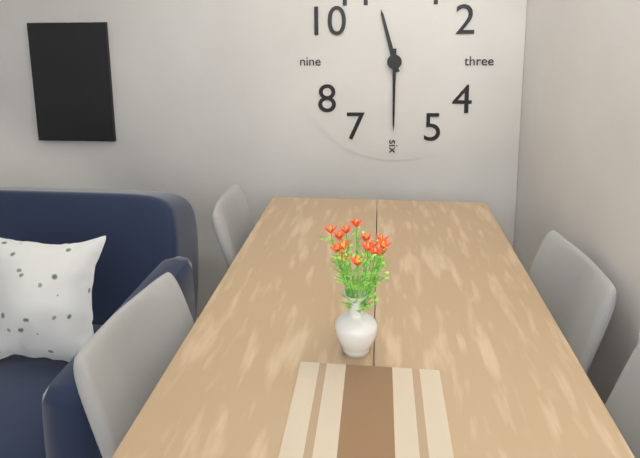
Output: {"hour": 11, "minute": 30}
